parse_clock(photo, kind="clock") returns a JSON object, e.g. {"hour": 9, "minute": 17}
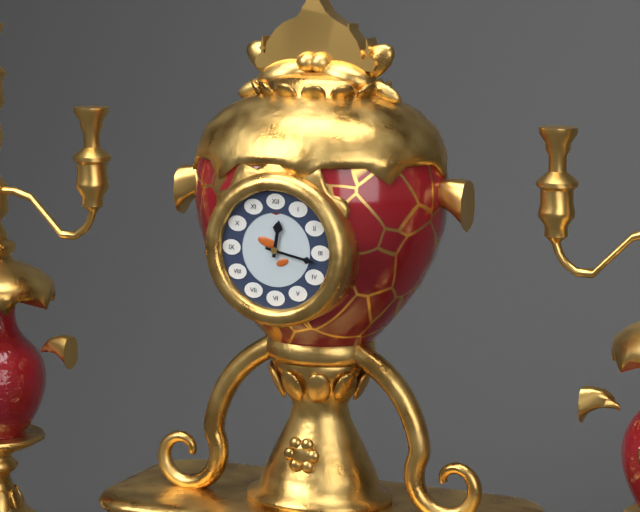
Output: {"hour": 12, "minute": 17}
